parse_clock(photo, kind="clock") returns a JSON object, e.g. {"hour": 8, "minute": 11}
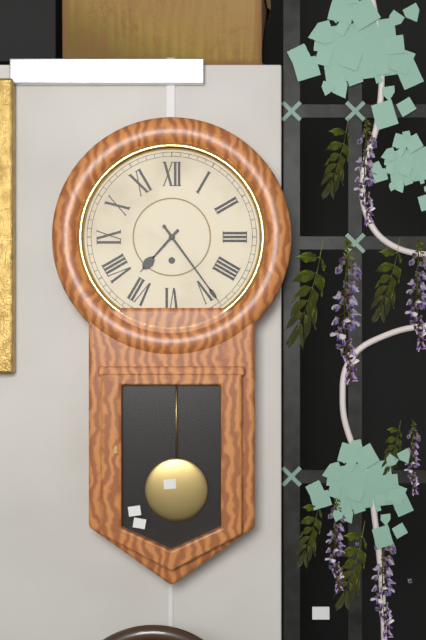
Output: {"hour": 7, "minute": 24}
